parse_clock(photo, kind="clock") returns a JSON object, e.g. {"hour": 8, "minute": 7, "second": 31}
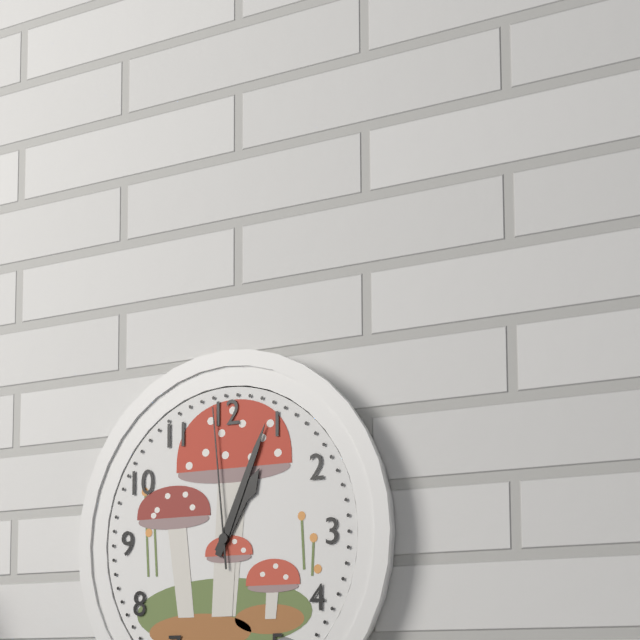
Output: {"hour": 1, "minute": 4, "second": 59}
